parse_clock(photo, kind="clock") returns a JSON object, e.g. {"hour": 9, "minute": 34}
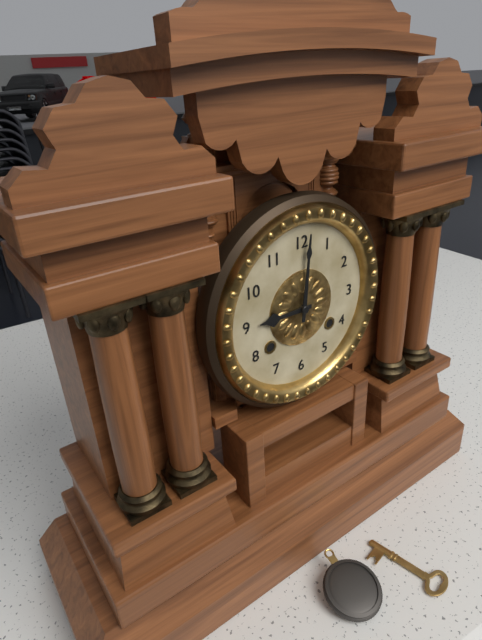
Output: {"hour": 9, "minute": 1}
